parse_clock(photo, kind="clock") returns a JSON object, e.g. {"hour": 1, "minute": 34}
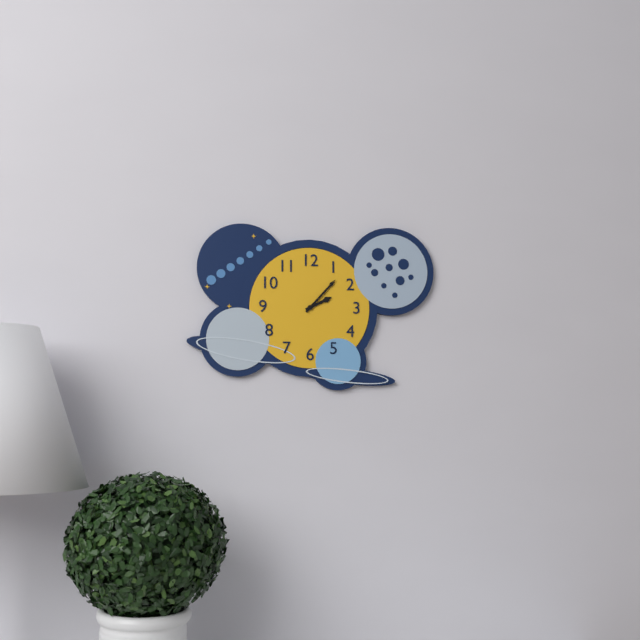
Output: {"hour": 2, "minute": 7}
